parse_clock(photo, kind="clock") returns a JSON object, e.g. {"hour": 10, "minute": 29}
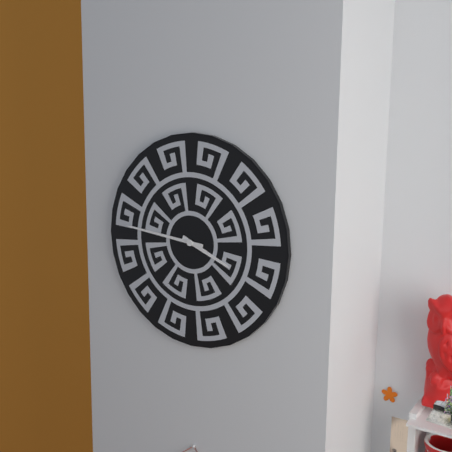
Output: {"hour": 3, "minute": 46}
